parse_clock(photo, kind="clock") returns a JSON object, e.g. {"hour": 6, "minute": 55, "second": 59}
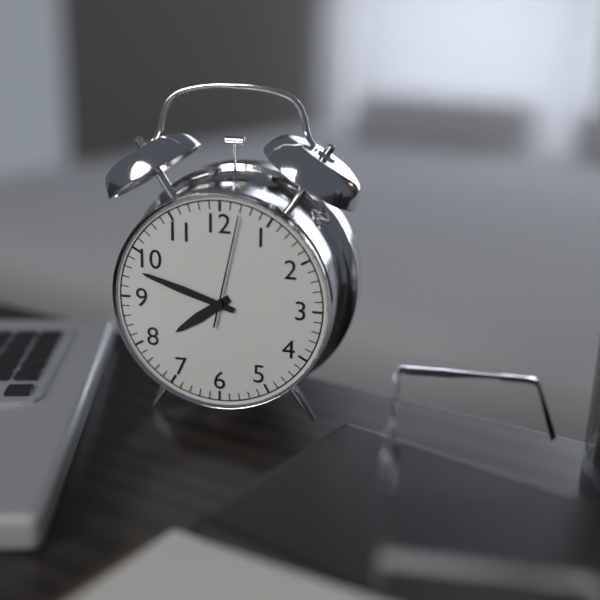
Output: {"hour": 7, "minute": 48, "second": 2}
